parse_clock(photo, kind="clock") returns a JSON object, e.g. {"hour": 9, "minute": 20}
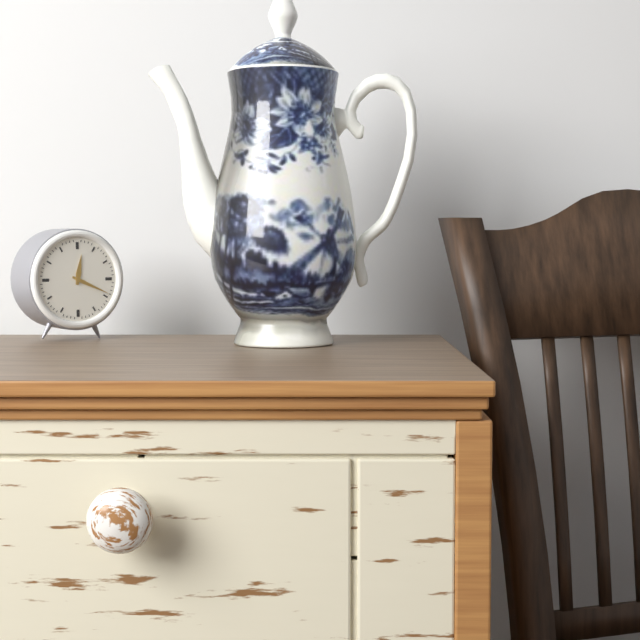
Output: {"hour": 12, "minute": 19}
